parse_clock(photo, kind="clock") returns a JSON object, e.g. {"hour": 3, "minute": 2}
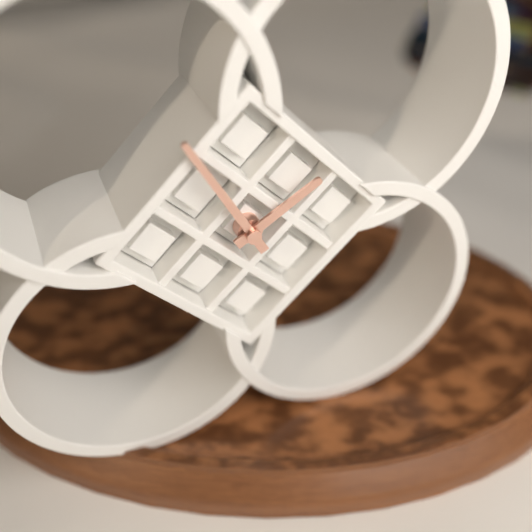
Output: {"hour": 1, "minute": 55}
